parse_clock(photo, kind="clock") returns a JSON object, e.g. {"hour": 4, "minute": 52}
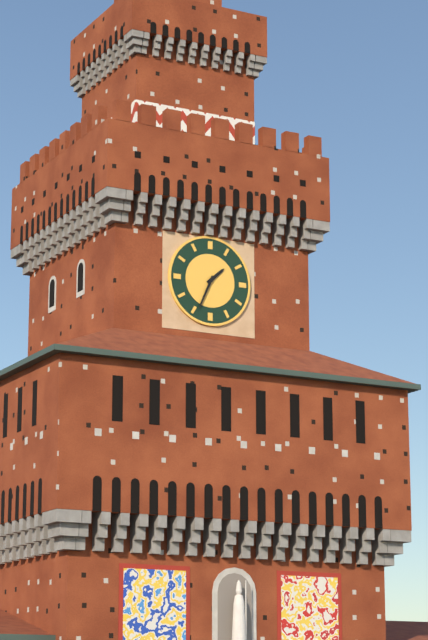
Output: {"hour": 1, "minute": 34}
